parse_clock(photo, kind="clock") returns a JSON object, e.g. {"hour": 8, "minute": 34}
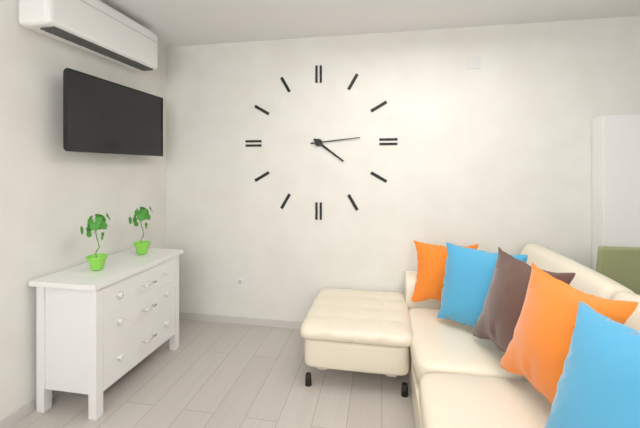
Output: {"hour": 4, "minute": 14}
